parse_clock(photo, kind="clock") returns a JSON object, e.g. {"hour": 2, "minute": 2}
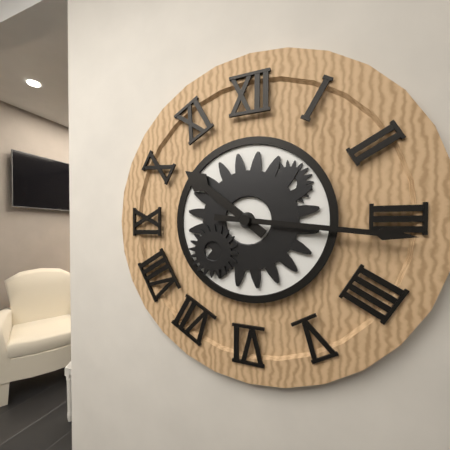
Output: {"hour": 10, "minute": 16}
